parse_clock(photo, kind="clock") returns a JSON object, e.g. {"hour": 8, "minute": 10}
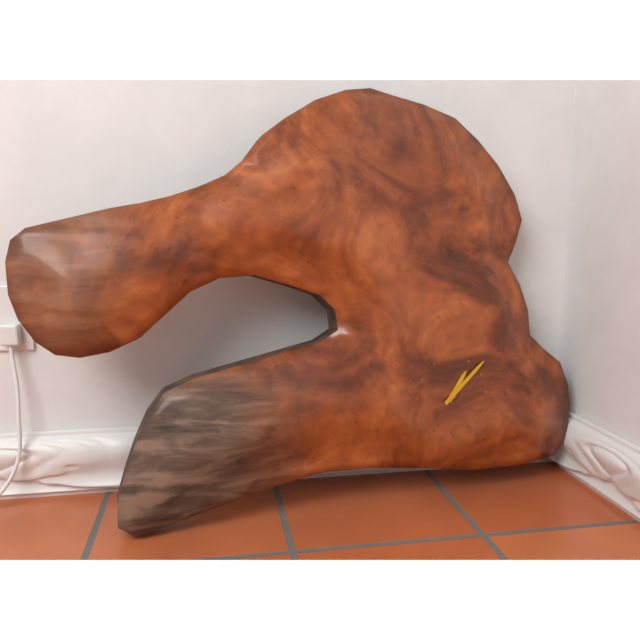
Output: {"hour": 1, "minute": 8}
